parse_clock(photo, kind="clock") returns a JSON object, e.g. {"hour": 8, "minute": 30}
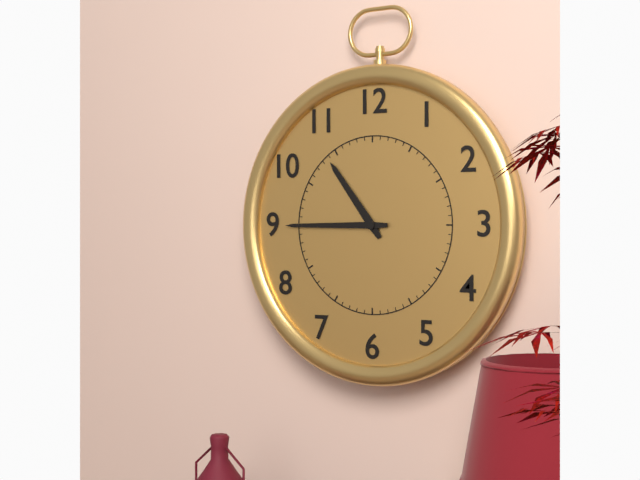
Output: {"hour": 10, "minute": 45}
